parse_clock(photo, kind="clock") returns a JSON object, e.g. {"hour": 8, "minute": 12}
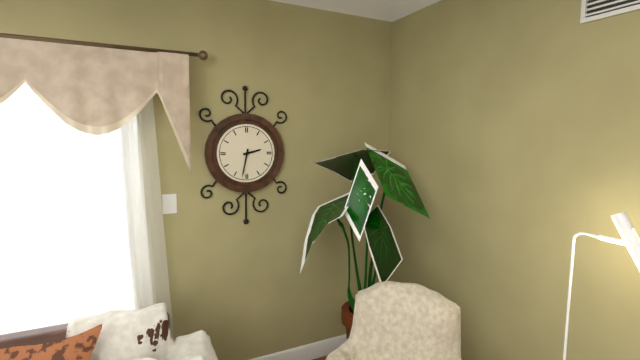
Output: {"hour": 2, "minute": 32}
